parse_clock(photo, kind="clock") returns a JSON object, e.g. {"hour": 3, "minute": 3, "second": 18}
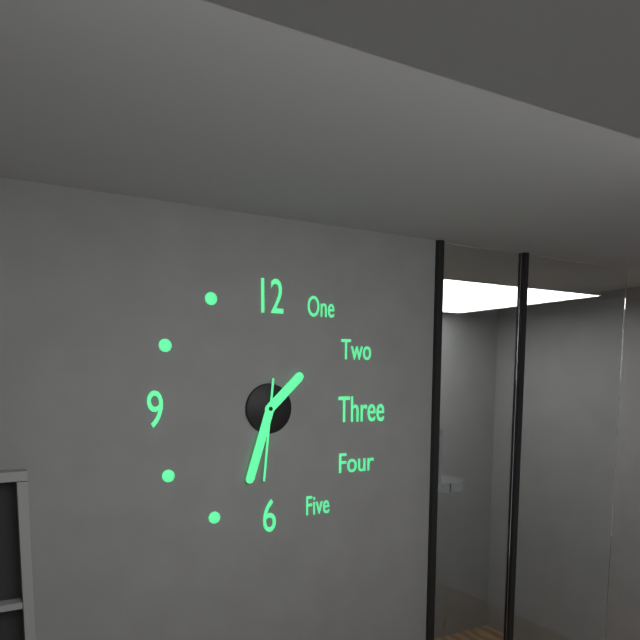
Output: {"hour": 1, "minute": 33, "second": 31}
